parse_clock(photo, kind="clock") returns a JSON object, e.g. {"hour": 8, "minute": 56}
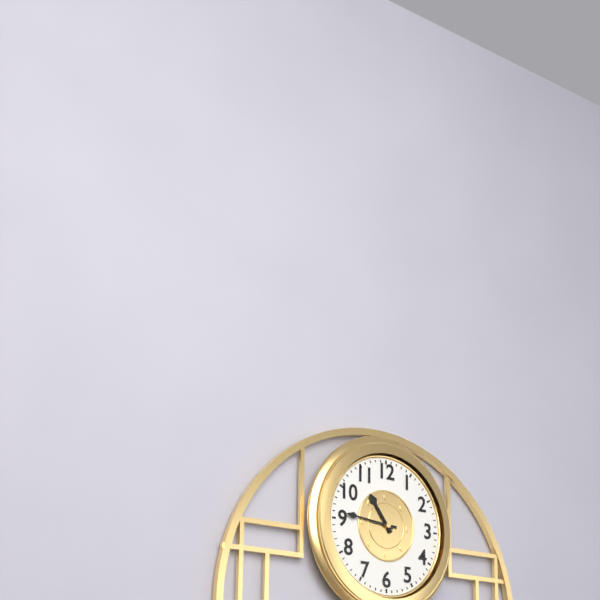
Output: {"hour": 10, "minute": 46}
